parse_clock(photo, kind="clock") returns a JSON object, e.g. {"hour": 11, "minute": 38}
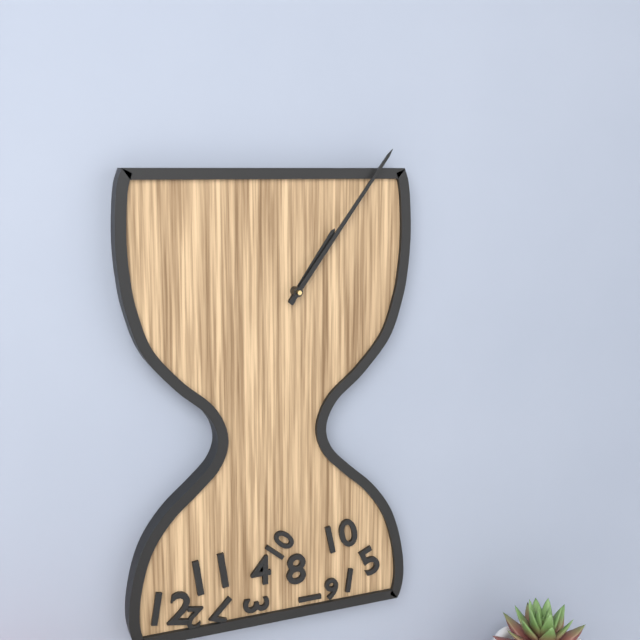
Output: {"hour": 1, "minute": 6}
